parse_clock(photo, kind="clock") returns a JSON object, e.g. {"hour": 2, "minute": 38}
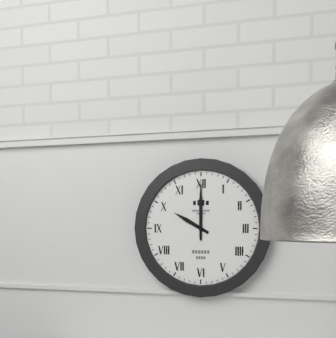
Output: {"hour": 10, "minute": 0}
